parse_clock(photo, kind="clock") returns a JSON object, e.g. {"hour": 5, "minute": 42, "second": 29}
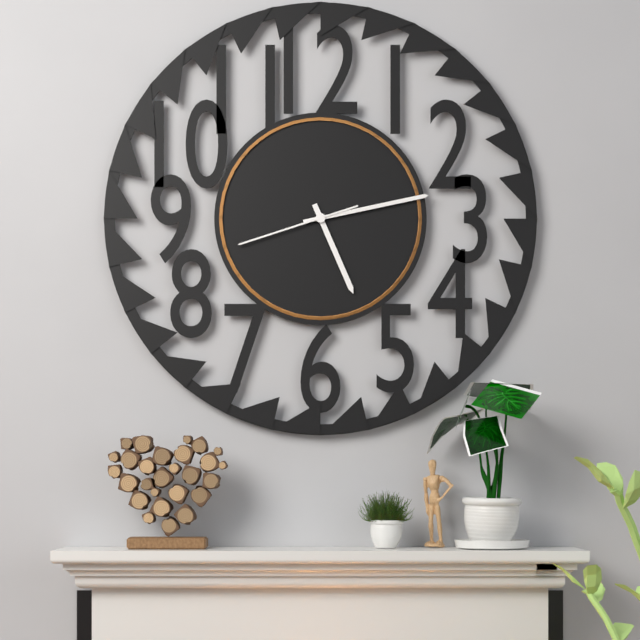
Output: {"hour": 5, "minute": 13, "second": 42}
